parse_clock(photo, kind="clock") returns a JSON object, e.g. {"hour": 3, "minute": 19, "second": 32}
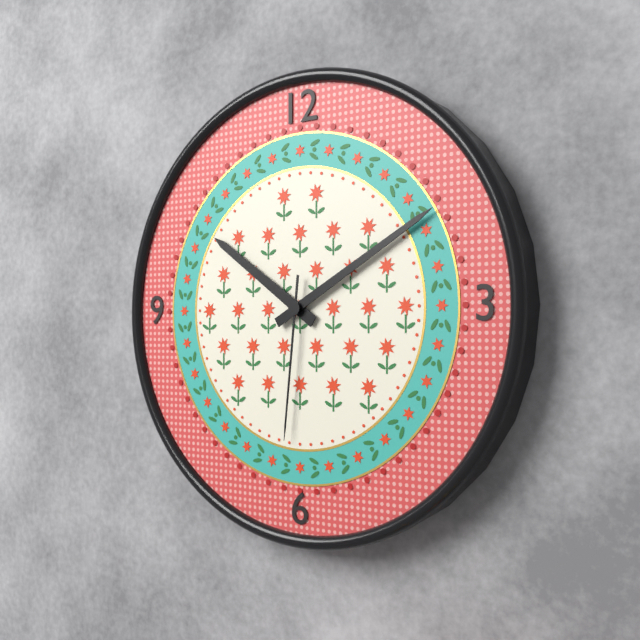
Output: {"hour": 10, "minute": 10, "second": 31}
